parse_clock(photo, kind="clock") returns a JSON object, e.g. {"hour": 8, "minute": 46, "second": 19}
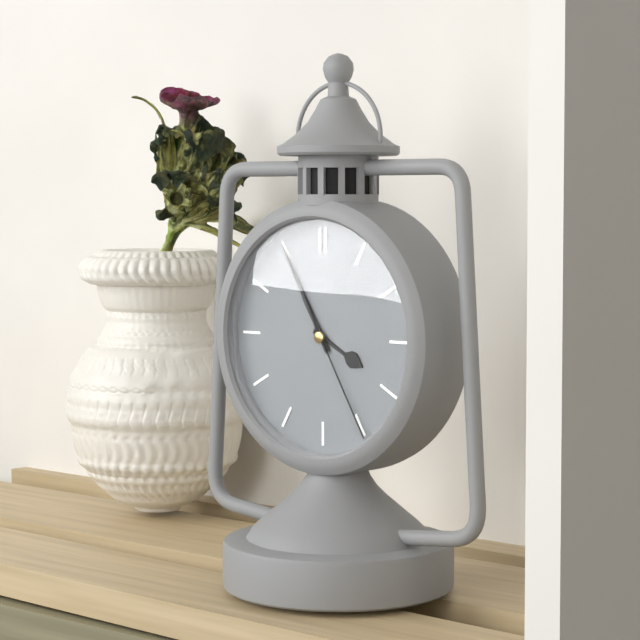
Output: {"hour": 3, "minute": 55, "second": 25}
